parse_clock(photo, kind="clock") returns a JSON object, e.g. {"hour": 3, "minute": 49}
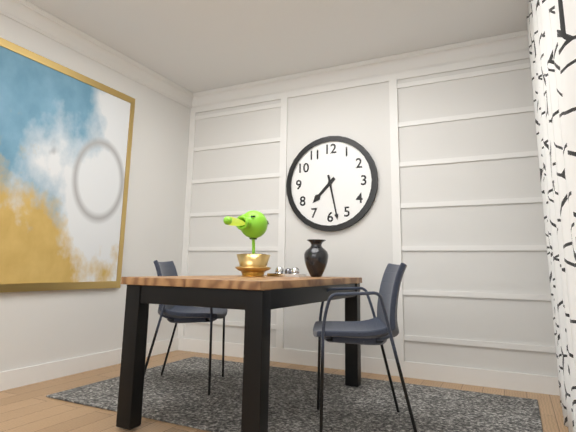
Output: {"hour": 7, "minute": 28}
